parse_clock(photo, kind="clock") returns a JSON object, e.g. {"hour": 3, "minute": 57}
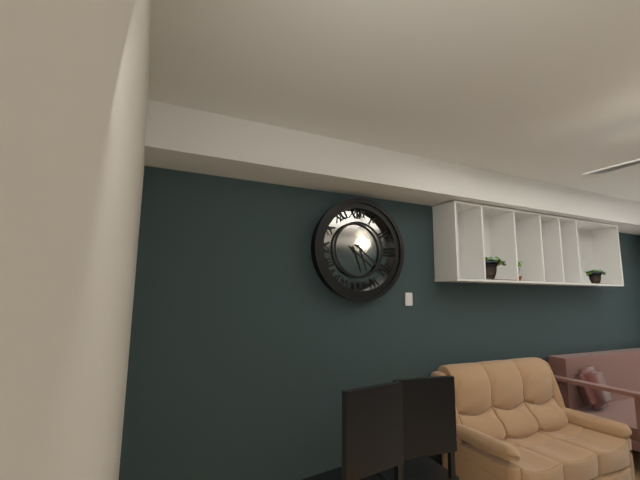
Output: {"hour": 5, "minute": 21}
